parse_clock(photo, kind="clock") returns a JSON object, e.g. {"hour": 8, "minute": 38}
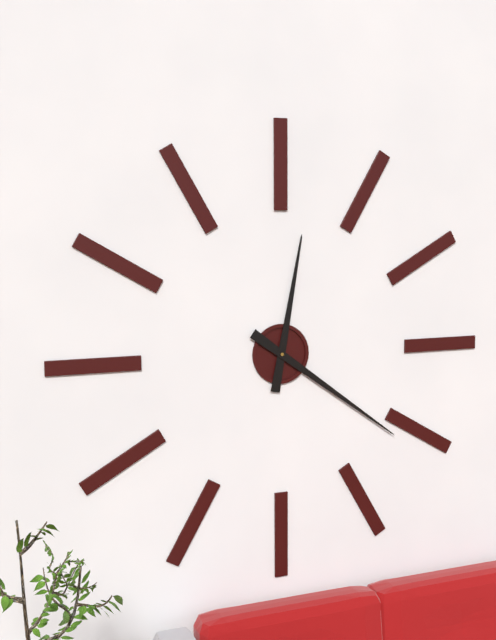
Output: {"hour": 12, "minute": 21}
